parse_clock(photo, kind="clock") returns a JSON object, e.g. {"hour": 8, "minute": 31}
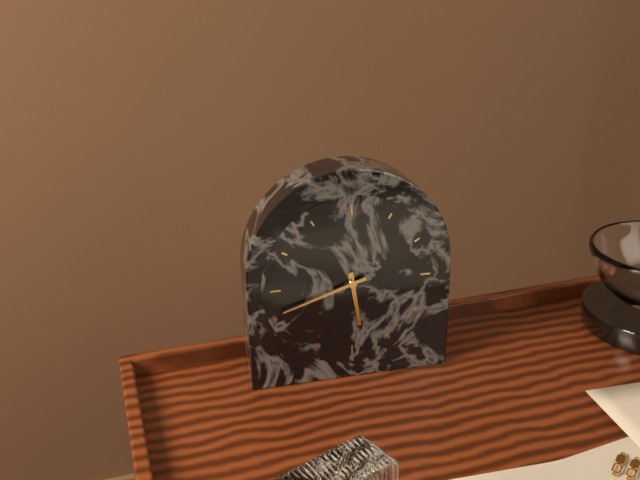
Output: {"hour": 5, "minute": 42}
